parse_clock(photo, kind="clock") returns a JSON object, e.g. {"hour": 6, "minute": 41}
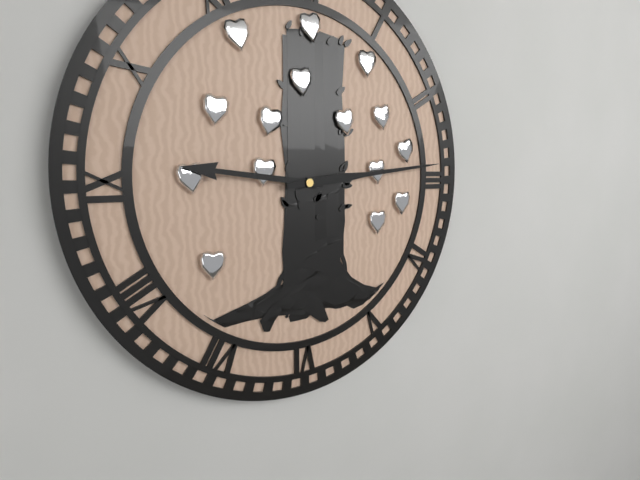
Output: {"hour": 9, "minute": 14}
